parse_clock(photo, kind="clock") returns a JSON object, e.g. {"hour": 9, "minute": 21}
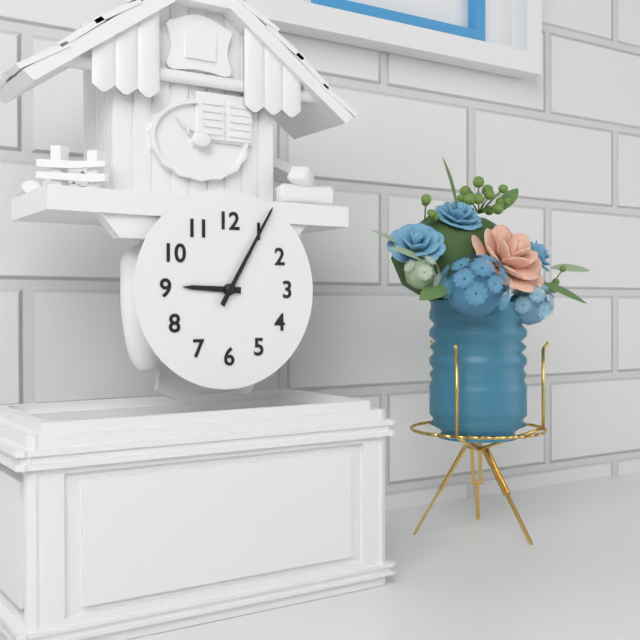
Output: {"hour": 9, "minute": 5}
